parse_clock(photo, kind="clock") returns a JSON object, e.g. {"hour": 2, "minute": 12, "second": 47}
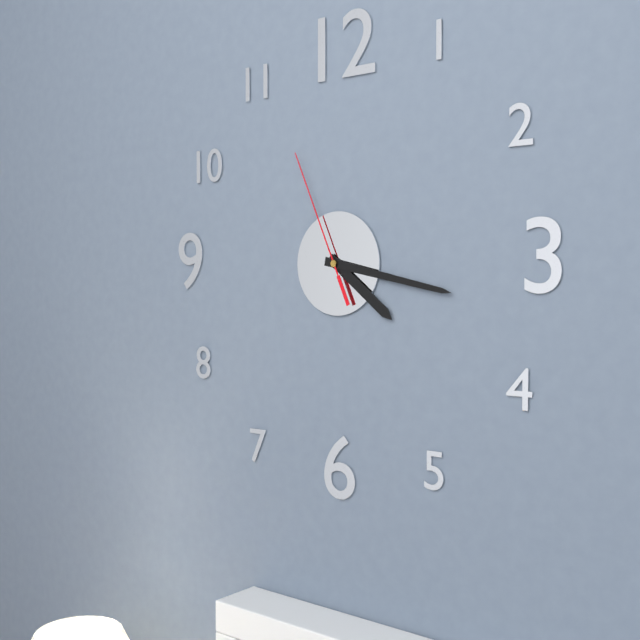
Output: {"hour": 4, "minute": 17, "second": 56}
